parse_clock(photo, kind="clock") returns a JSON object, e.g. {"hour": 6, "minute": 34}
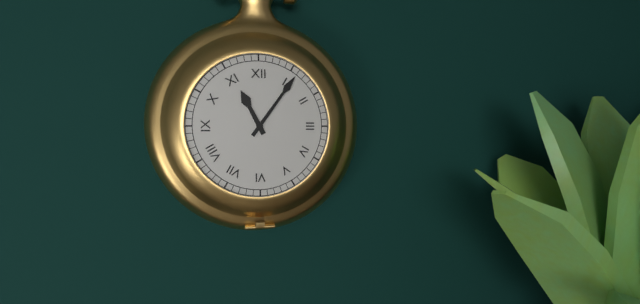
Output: {"hour": 11, "minute": 6}
